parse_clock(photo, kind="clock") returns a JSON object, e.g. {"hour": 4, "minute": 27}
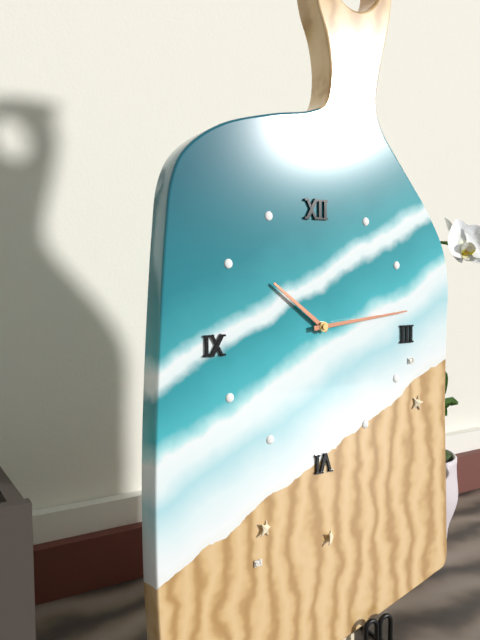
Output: {"hour": 10, "minute": 14}
